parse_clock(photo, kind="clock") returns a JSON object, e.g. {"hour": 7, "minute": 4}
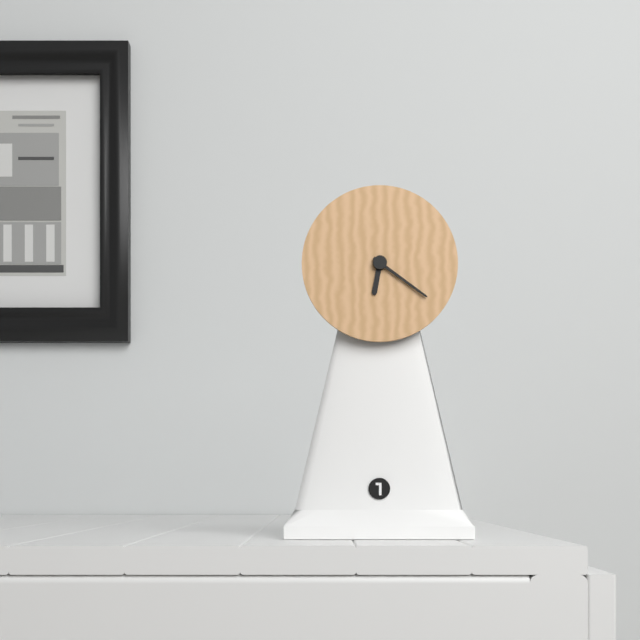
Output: {"hour": 6, "minute": 21}
